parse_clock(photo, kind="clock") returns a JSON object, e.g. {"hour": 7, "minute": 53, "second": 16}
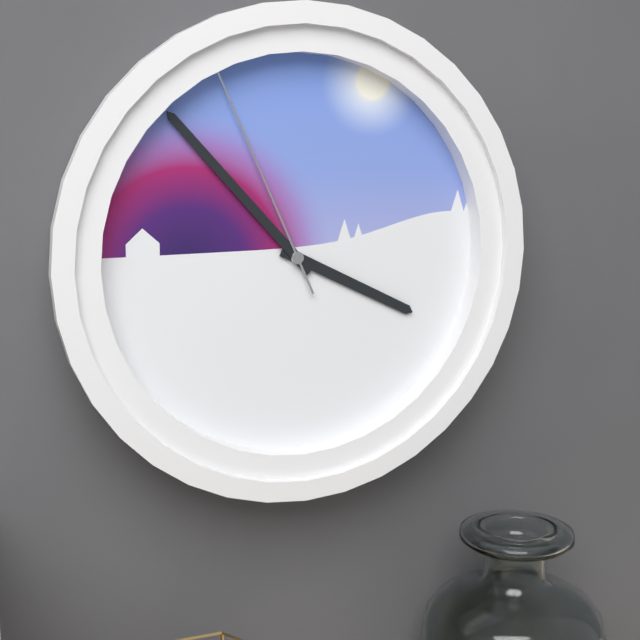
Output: {"hour": 3, "minute": 53, "second": 56}
